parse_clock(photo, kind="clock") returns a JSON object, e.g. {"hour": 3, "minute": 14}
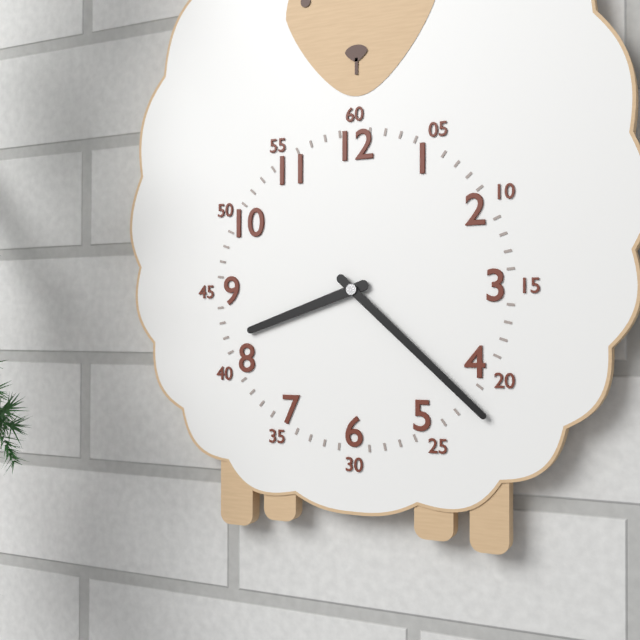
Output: {"hour": 8, "minute": 22}
